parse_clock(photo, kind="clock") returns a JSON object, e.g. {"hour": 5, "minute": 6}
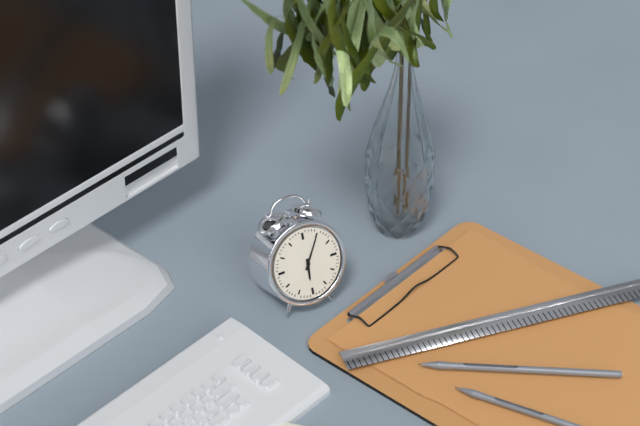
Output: {"hour": 6, "minute": 5}
